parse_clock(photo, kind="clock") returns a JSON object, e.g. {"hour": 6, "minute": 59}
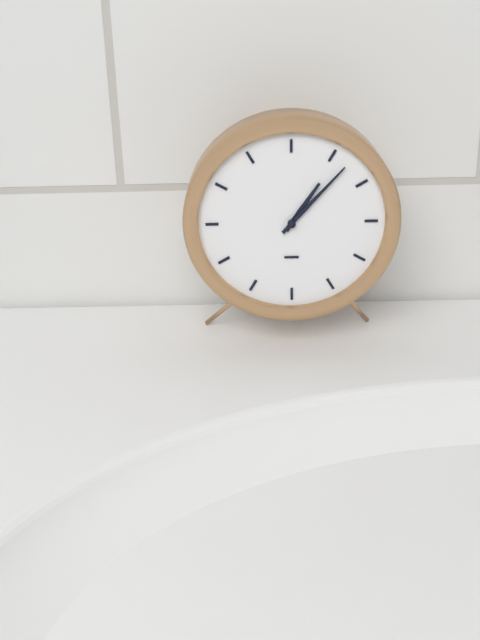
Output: {"hour": 1, "minute": 7}
